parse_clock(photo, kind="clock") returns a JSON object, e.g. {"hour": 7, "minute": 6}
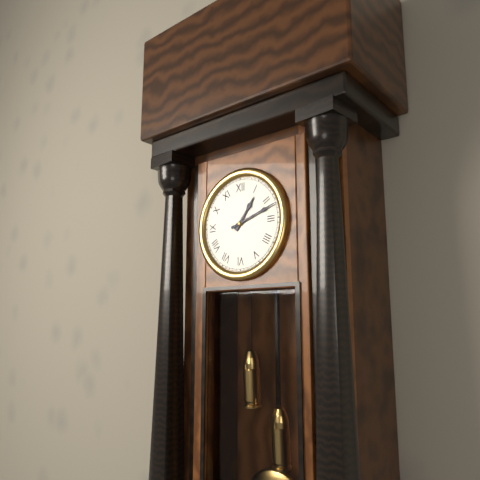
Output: {"hour": 1, "minute": 12}
